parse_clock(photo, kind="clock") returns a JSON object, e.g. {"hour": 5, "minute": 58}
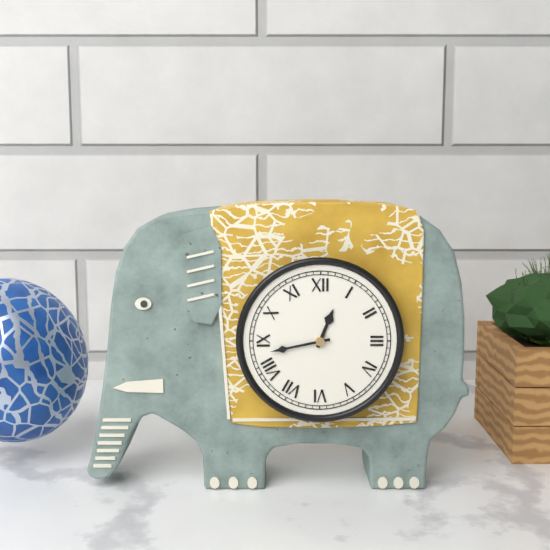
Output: {"hour": 12, "minute": 43}
